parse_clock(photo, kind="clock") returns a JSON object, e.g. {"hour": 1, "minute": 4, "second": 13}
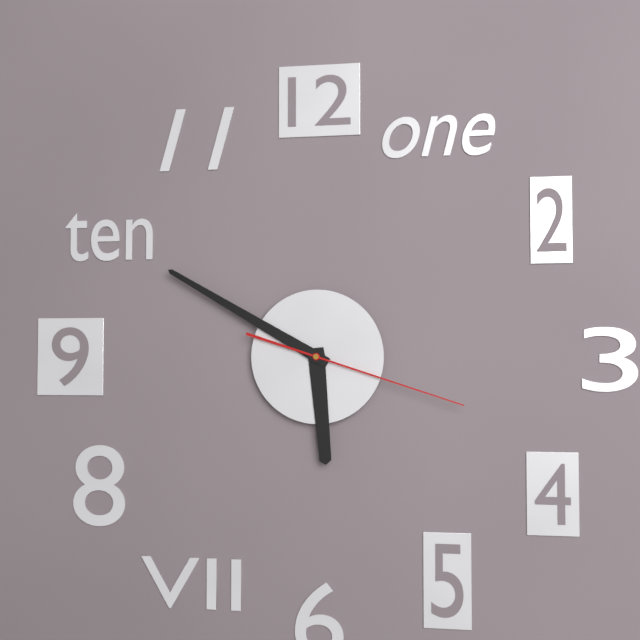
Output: {"hour": 5, "minute": 50, "second": 18}
